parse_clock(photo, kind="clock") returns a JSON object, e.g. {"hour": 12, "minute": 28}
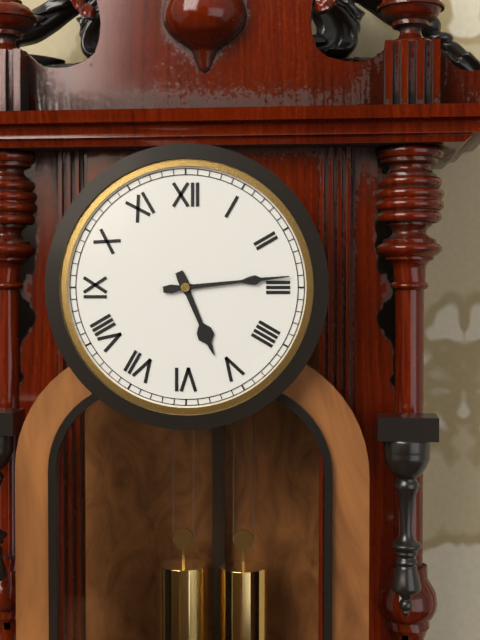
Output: {"hour": 5, "minute": 14}
